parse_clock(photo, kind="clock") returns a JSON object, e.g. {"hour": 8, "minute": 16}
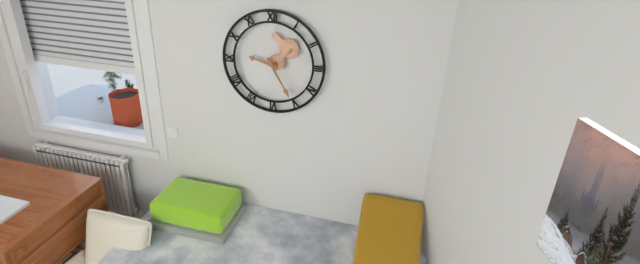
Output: {"hour": 9, "minute": 25}
